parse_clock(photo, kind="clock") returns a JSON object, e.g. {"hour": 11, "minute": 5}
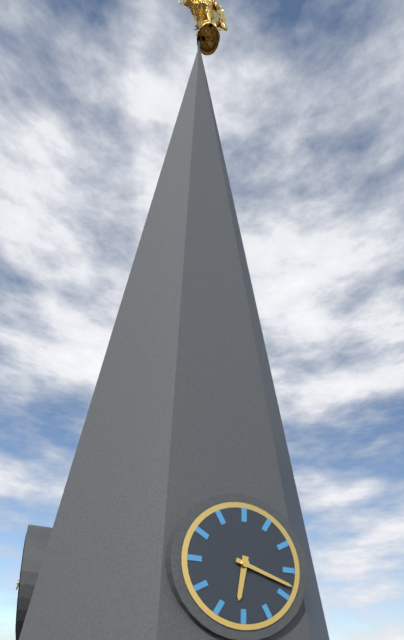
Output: {"hour": 6, "minute": 18}
